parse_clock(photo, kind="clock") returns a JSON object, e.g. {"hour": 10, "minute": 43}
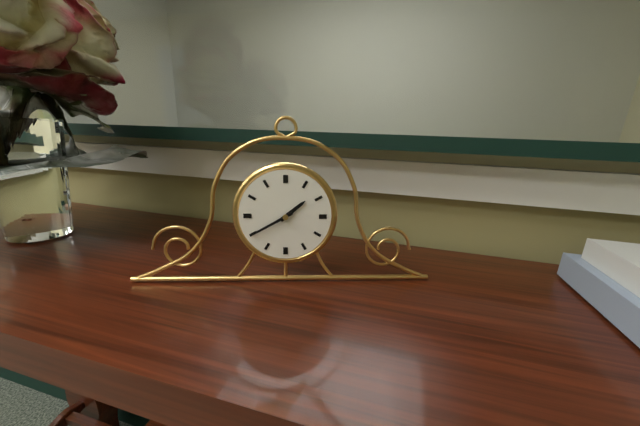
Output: {"hour": 1, "minute": 40}
